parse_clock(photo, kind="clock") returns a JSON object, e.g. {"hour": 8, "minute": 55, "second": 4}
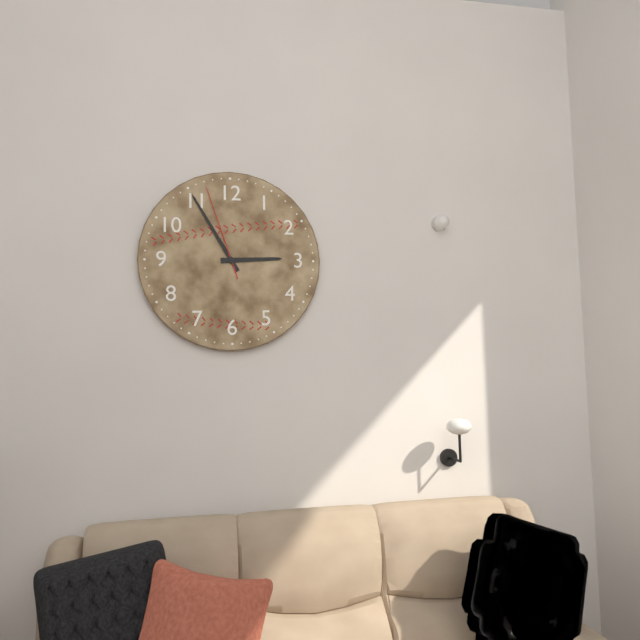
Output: {"hour": 2, "minute": 55, "second": 57}
